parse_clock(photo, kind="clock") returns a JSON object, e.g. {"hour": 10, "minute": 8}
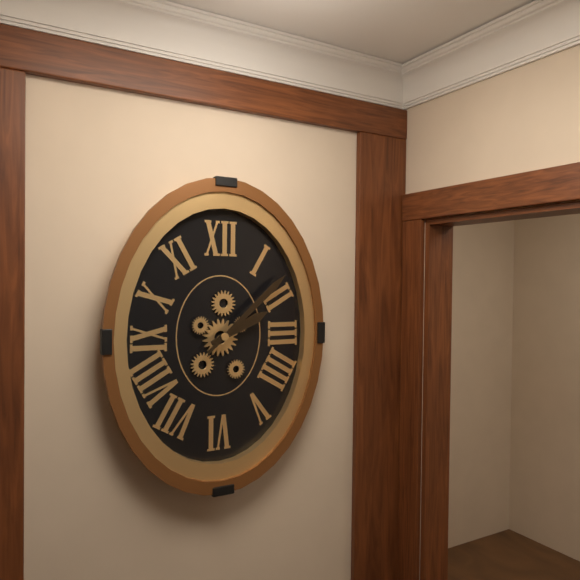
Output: {"hour": 2, "minute": 8}
